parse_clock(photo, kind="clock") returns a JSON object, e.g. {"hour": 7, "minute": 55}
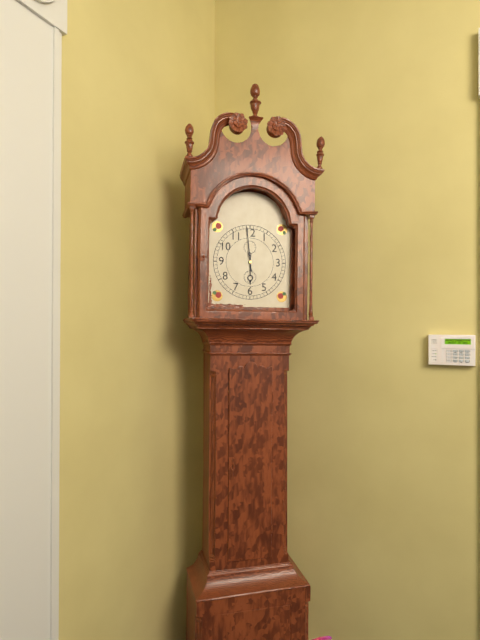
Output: {"hour": 5, "minute": 59}
